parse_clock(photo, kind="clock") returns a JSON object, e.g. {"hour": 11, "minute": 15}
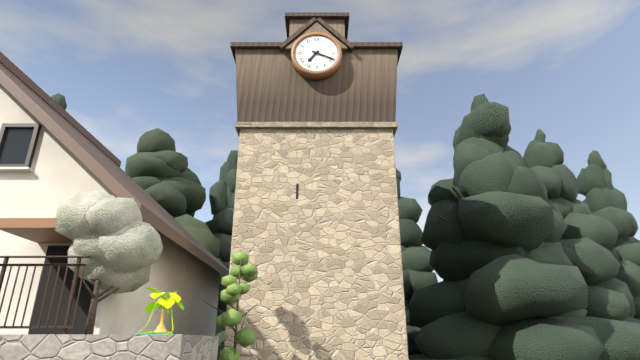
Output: {"hour": 7, "minute": 19}
